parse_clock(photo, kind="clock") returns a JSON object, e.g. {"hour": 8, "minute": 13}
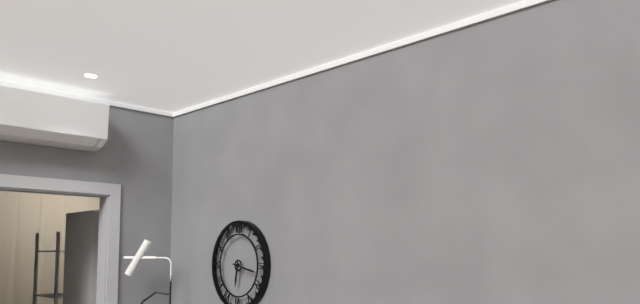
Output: {"hour": 6, "minute": 17}
